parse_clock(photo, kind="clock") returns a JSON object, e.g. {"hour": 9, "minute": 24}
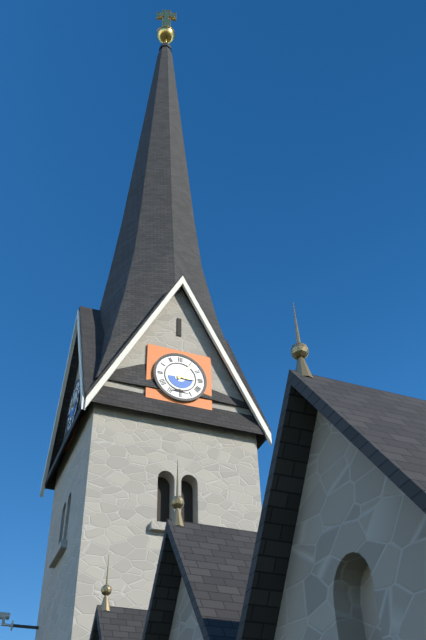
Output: {"hour": 3, "minute": 6}
